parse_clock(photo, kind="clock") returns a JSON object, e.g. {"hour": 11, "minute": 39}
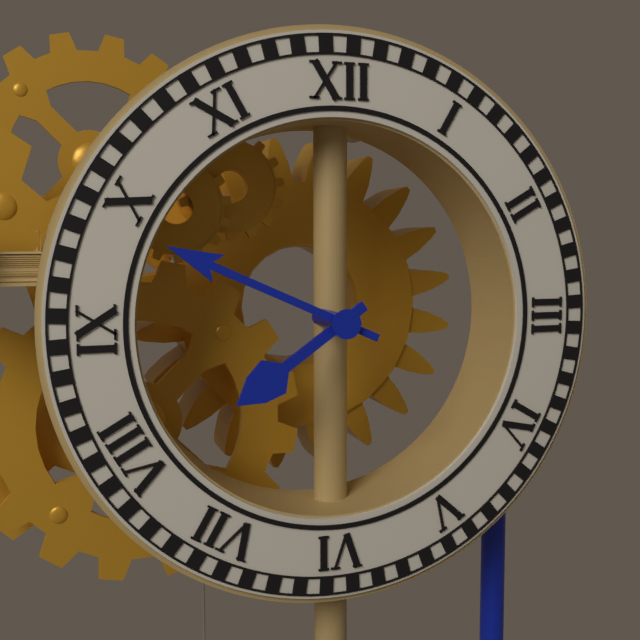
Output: {"hour": 7, "minute": 49}
